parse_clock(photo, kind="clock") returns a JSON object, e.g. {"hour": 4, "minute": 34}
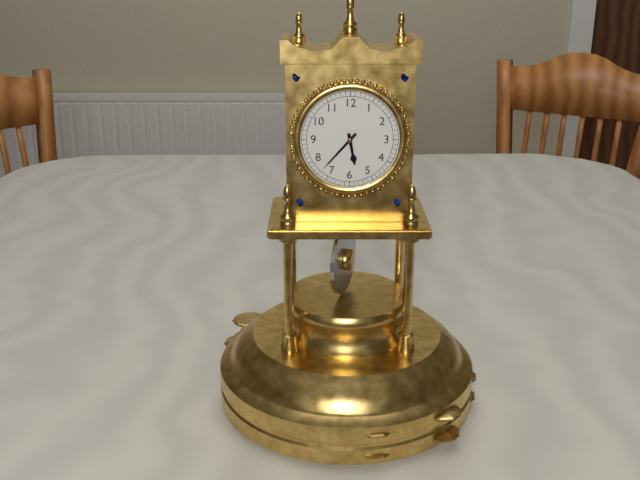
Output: {"hour": 5, "minute": 37}
